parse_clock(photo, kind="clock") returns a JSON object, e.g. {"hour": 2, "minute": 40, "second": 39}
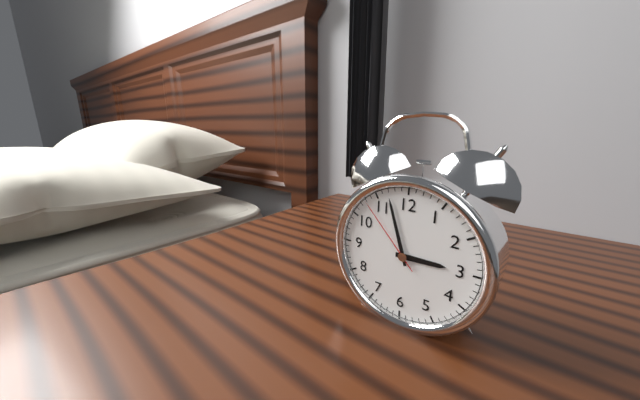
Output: {"hour": 2, "minute": 57, "second": 53}
